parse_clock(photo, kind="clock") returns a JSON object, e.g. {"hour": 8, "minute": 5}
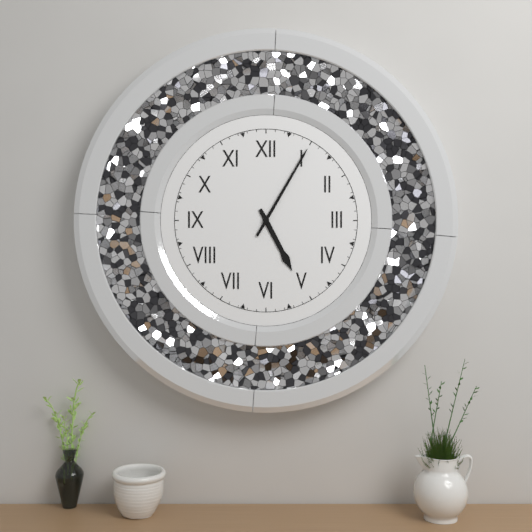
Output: {"hour": 5, "minute": 5}
